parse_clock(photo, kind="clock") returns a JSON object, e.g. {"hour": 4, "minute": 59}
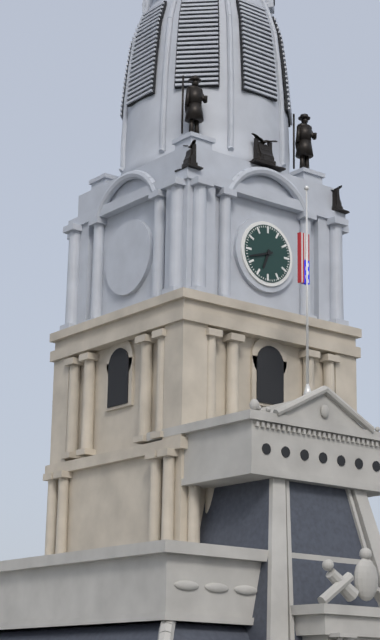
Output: {"hour": 6, "minute": 42}
